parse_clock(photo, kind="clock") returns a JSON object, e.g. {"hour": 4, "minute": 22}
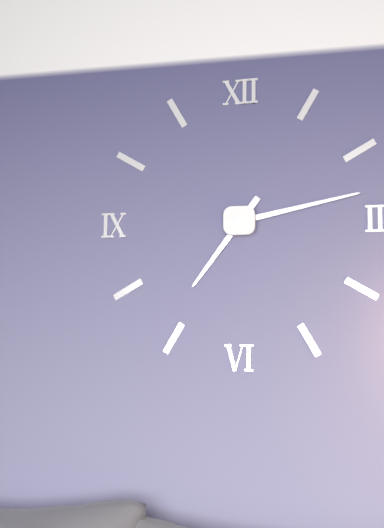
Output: {"hour": 7, "minute": 13}
